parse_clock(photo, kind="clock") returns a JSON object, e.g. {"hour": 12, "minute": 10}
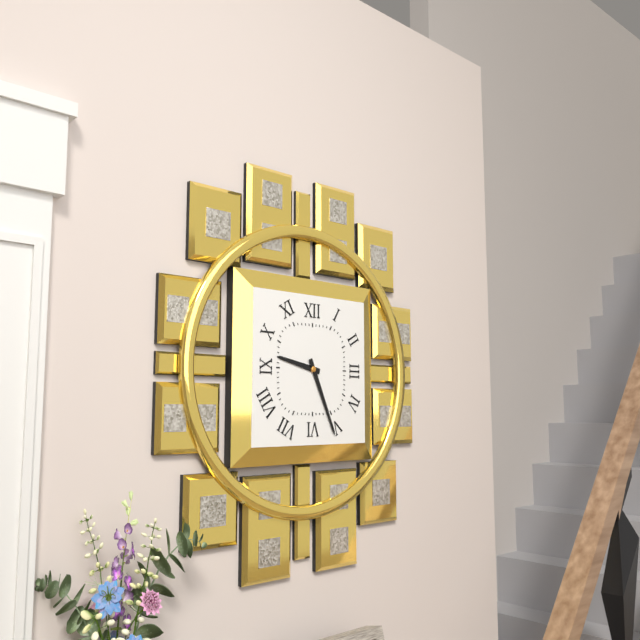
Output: {"hour": 9, "minute": 26}
